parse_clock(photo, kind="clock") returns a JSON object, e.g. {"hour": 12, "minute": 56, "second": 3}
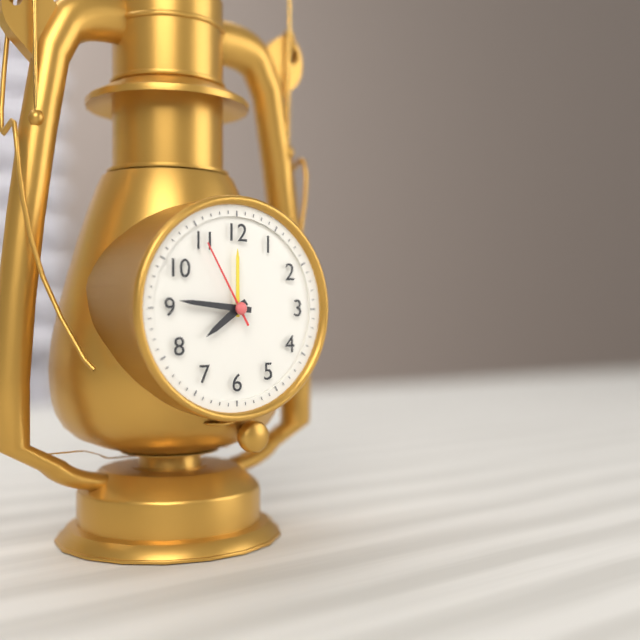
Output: {"hour": 7, "minute": 46, "second": 55}
